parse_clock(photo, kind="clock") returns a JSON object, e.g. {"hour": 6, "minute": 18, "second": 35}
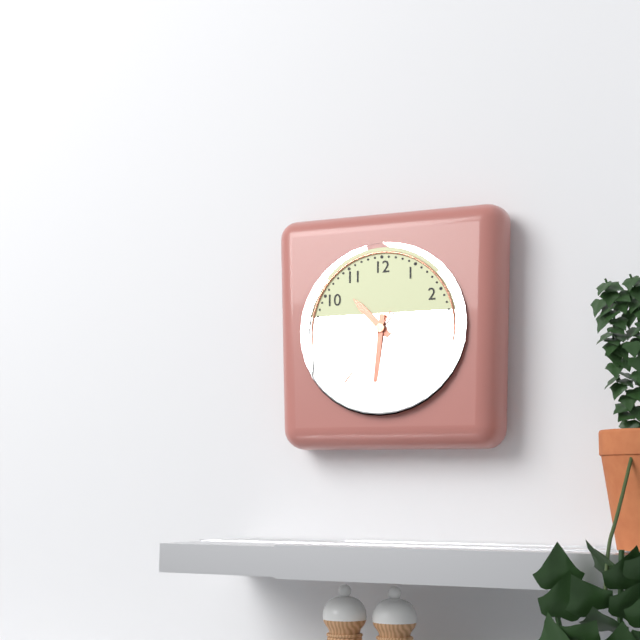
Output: {"hour": 10, "minute": 31, "second": 36}
